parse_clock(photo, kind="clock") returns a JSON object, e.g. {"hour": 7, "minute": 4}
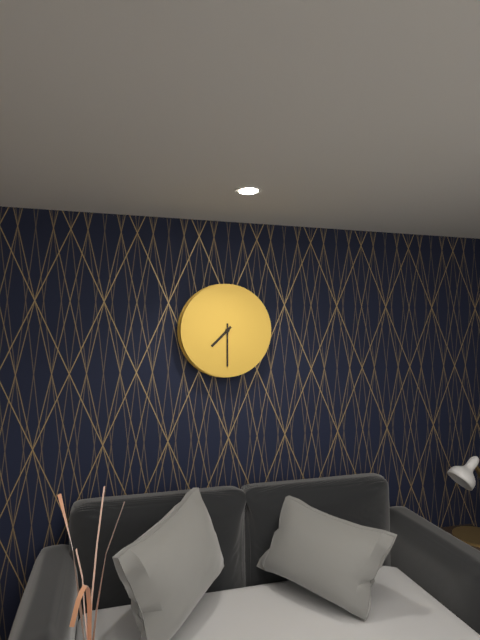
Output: {"hour": 7, "minute": 30}
